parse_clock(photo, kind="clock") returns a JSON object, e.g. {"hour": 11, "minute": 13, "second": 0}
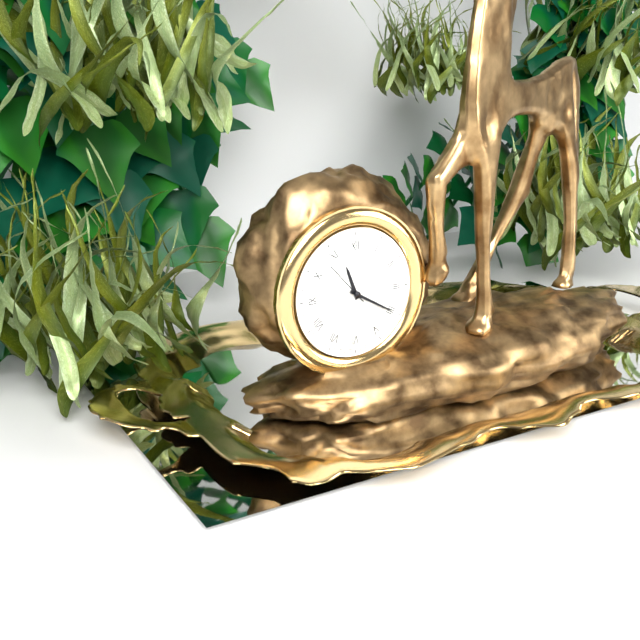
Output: {"hour": 11, "minute": 20, "second": 53}
